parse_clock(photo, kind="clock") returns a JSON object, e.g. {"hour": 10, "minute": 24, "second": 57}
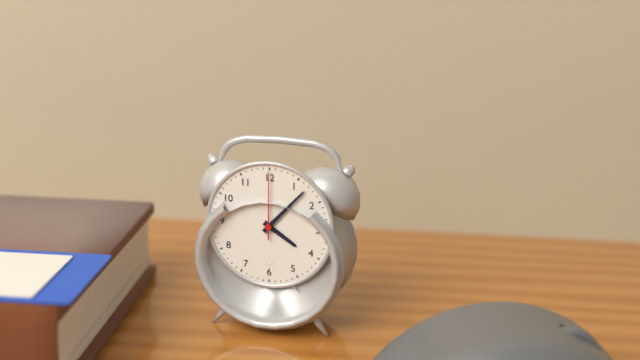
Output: {"hour": 4, "minute": 7, "second": 0}
